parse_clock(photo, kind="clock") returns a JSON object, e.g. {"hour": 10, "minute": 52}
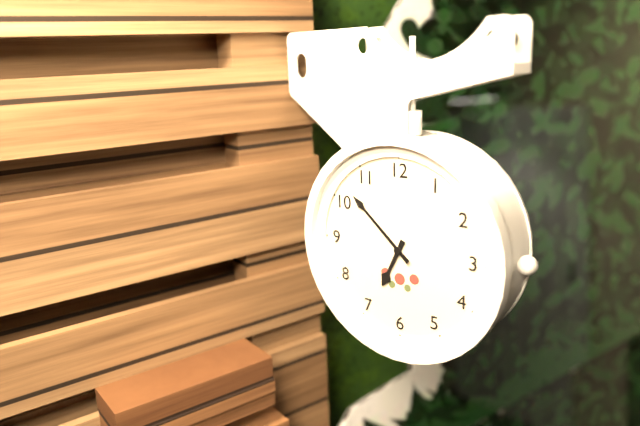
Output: {"hour": 6, "minute": 52}
